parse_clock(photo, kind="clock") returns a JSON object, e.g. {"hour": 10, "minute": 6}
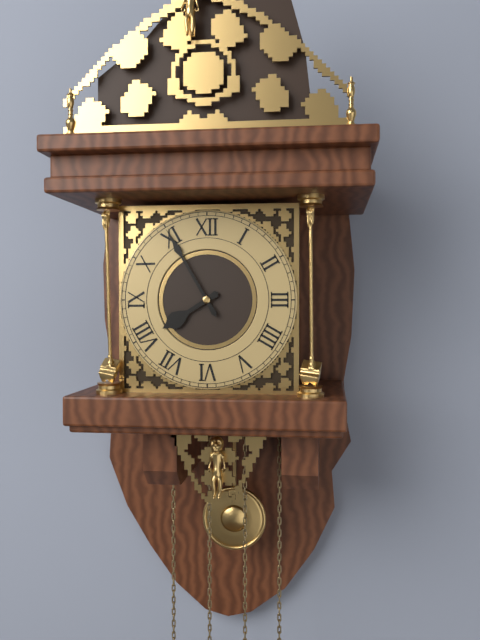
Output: {"hour": 7, "minute": 55}
